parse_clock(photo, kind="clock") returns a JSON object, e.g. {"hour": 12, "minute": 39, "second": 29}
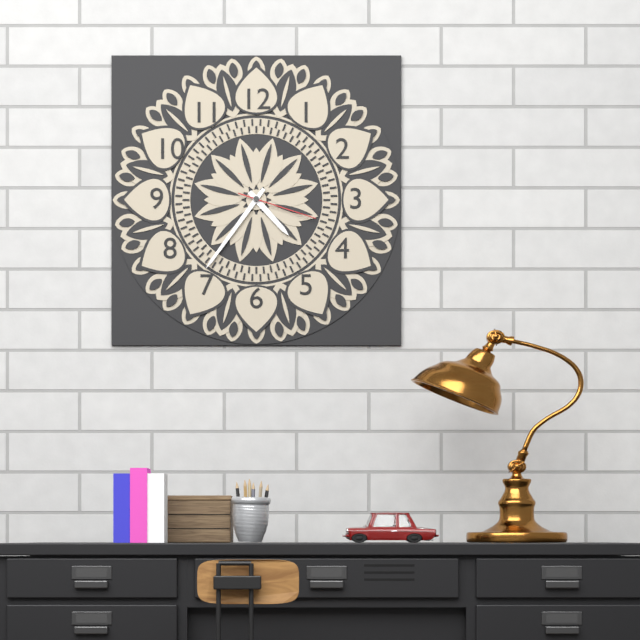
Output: {"hour": 4, "minute": 36, "second": 18}
